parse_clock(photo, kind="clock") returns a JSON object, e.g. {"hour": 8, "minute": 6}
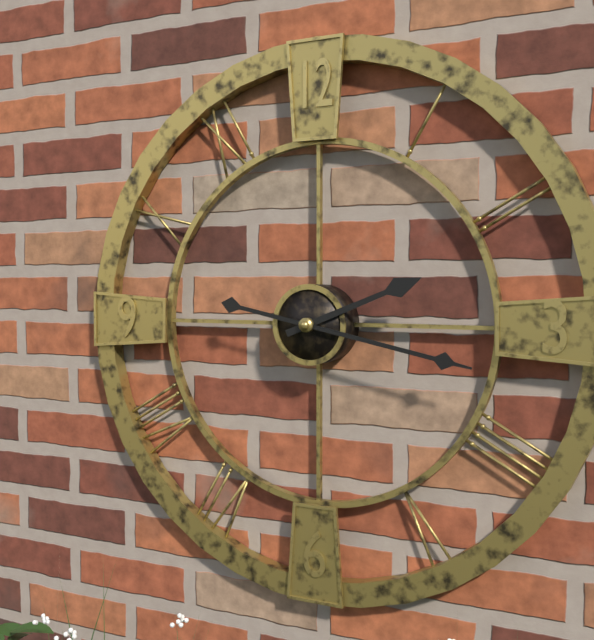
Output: {"hour": 2, "minute": 17}
